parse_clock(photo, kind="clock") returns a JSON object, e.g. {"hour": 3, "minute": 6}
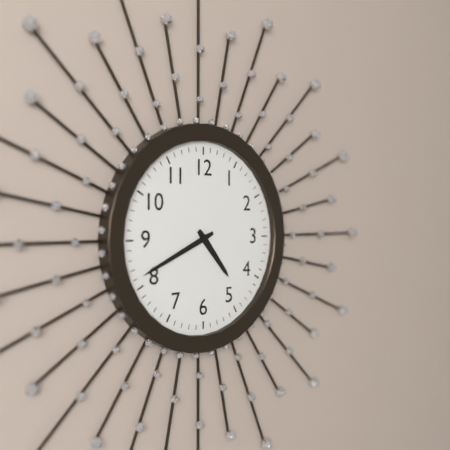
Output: {"hour": 4, "minute": 41}
